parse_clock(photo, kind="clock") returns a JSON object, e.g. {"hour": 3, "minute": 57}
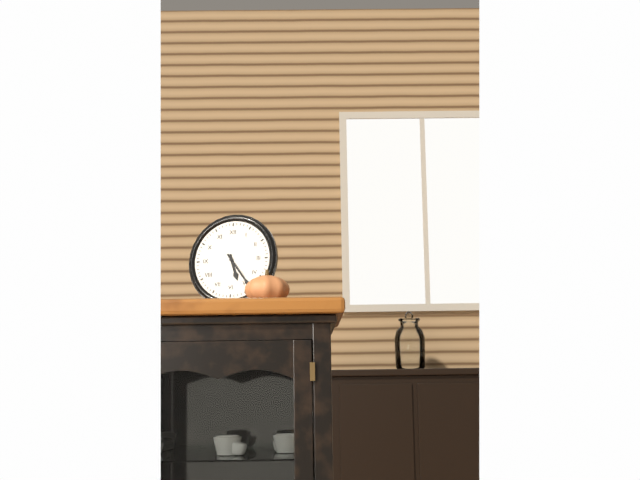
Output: {"hour": 5, "minute": 24}
